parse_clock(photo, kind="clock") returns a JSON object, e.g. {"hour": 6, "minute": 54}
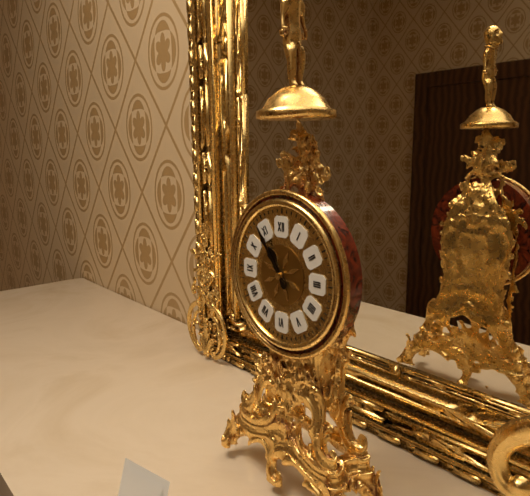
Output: {"hour": 10, "minute": 54}
